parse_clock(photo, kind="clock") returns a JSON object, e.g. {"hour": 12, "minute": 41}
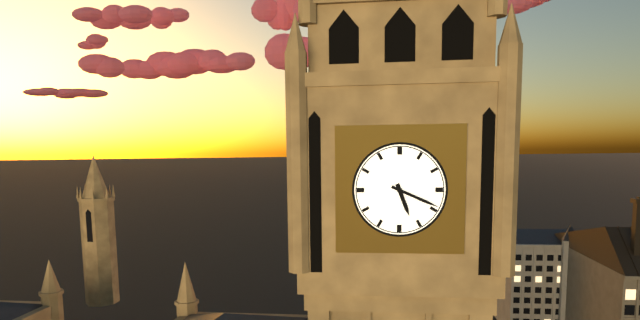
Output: {"hour": 5, "minute": 19}
